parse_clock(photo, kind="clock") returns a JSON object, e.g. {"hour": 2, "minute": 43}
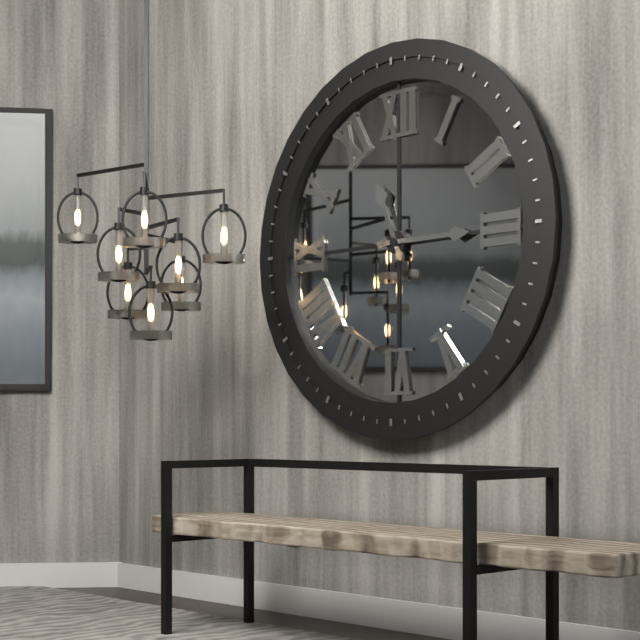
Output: {"hour": 11, "minute": 15}
